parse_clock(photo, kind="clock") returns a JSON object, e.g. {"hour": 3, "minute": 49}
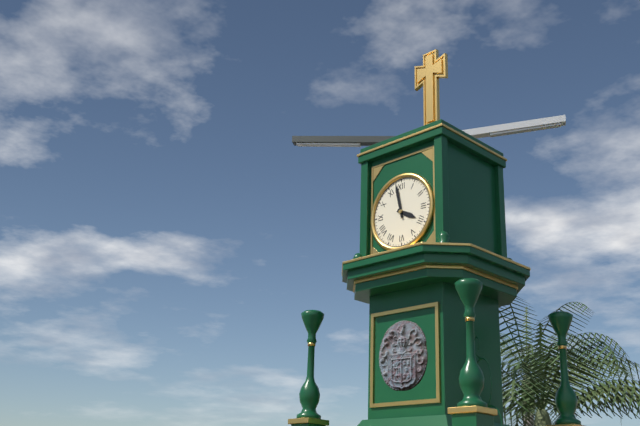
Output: {"hour": 3, "minute": 58}
